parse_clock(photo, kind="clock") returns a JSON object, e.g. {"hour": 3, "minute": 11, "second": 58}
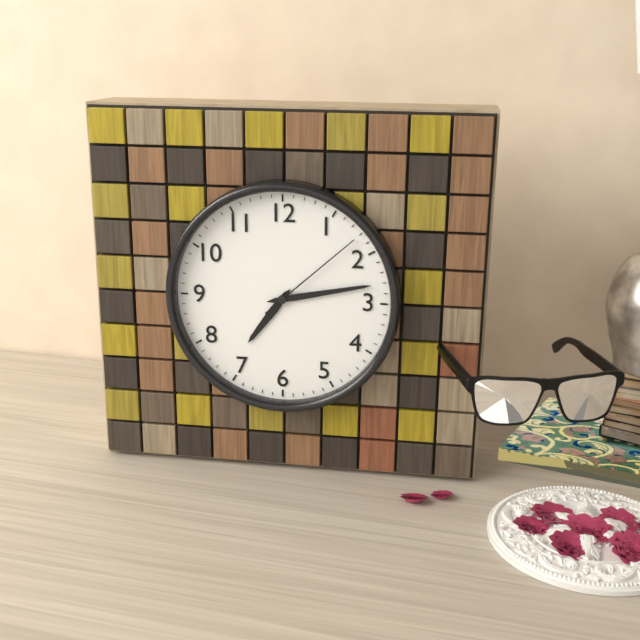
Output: {"hour": 7, "minute": 13, "second": 8}
